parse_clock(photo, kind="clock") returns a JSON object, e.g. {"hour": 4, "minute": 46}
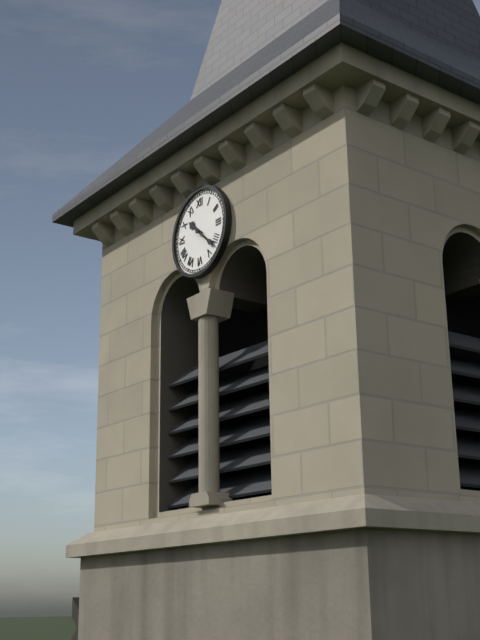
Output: {"hour": 10, "minute": 22}
